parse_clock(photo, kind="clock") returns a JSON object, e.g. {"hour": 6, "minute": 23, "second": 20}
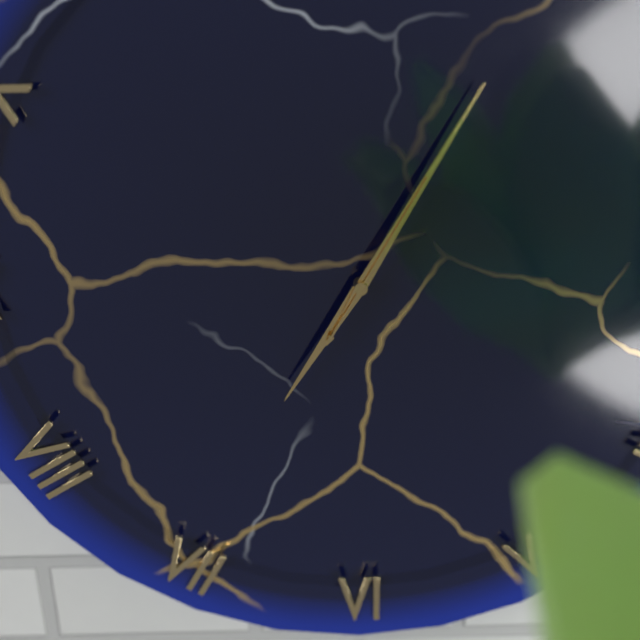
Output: {"hour": 7, "minute": 5, "second": 5}
